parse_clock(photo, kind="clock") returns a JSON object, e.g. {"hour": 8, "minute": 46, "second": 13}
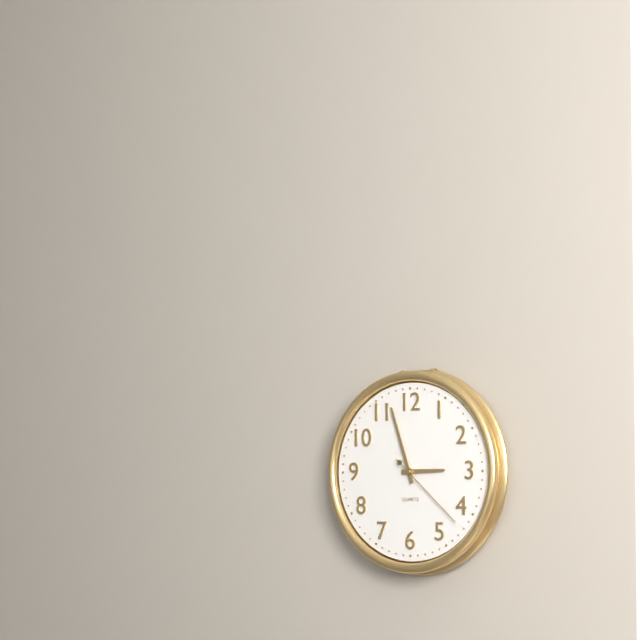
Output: {"hour": 2, "minute": 57, "second": 22}
